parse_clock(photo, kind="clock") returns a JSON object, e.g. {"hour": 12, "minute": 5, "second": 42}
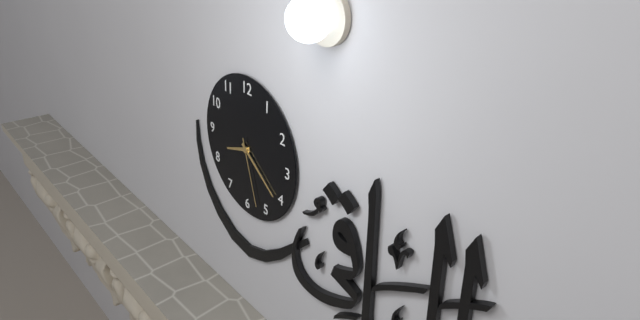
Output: {"hour": 8, "minute": 21, "second": 27}
